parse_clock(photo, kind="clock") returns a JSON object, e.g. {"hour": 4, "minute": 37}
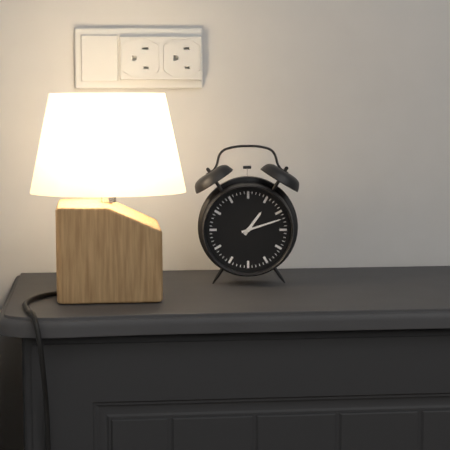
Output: {"hour": 1, "minute": 12}
